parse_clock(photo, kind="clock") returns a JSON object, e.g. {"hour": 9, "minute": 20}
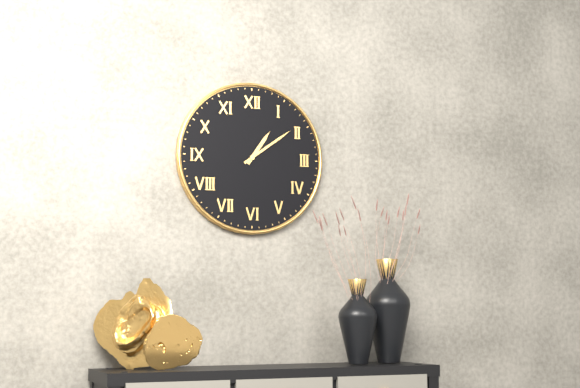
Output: {"hour": 1, "minute": 9}
